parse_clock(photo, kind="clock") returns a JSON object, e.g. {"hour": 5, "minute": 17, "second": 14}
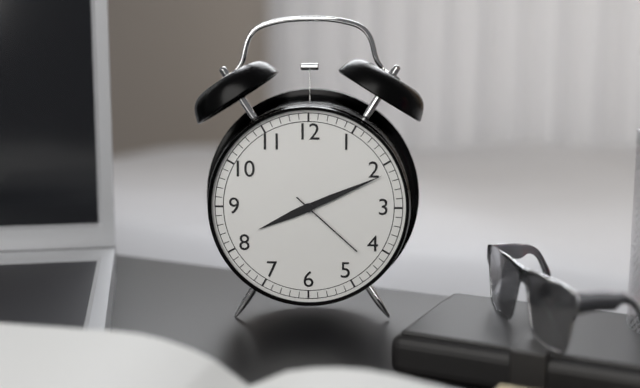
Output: {"hour": 8, "minute": 11, "second": 22}
